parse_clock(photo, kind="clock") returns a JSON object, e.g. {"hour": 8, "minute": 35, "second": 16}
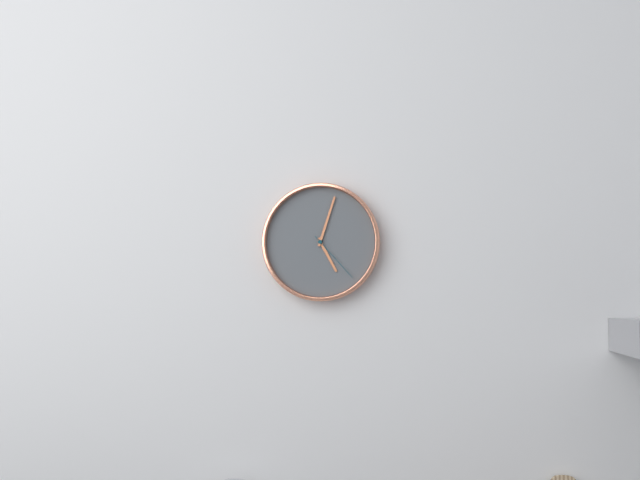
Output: {"hour": 5, "minute": 3, "second": 23}
